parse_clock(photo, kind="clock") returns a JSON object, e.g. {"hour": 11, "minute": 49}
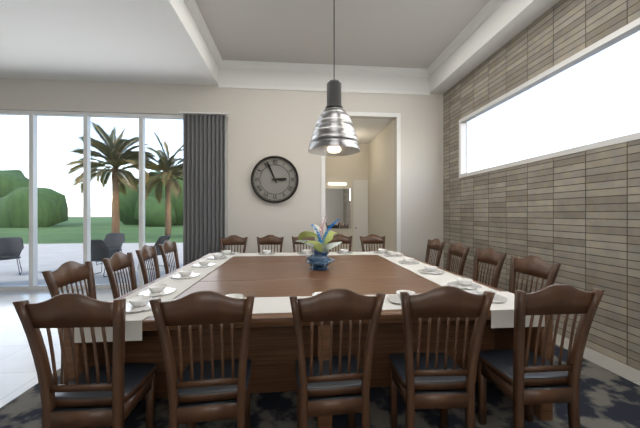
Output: {"hour": 2, "minute": 56}
